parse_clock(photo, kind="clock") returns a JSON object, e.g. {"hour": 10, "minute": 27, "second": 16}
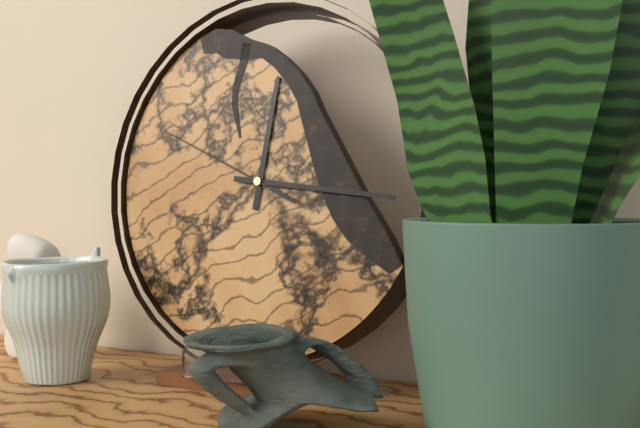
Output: {"hour": 12, "minute": 16, "second": 49}
